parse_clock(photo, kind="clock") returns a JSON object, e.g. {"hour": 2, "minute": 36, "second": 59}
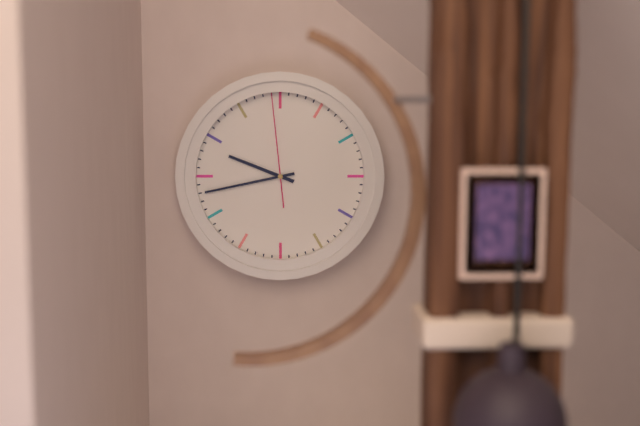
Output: {"hour": 9, "minute": 43, "second": 59}
